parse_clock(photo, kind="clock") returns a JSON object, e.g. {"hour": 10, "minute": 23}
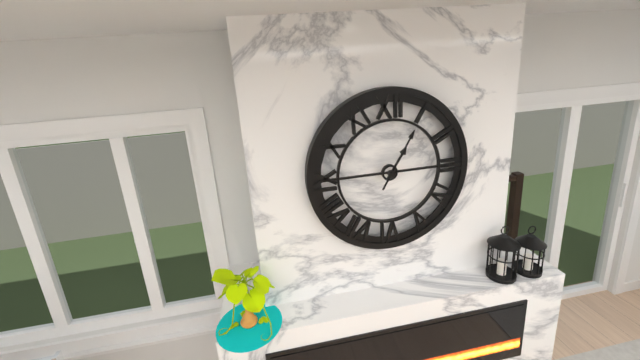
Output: {"hour": 1, "minute": 5}
